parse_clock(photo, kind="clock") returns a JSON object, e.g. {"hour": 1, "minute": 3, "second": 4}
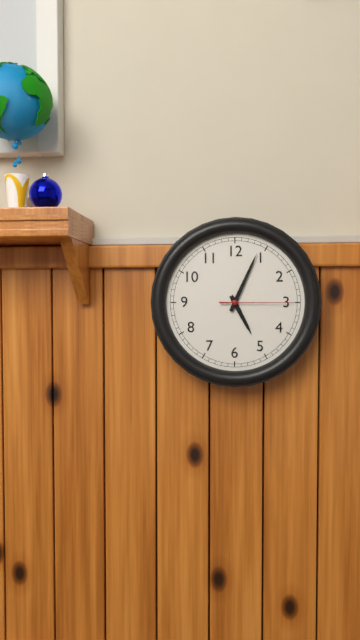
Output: {"hour": 5, "minute": 4, "second": 15}
